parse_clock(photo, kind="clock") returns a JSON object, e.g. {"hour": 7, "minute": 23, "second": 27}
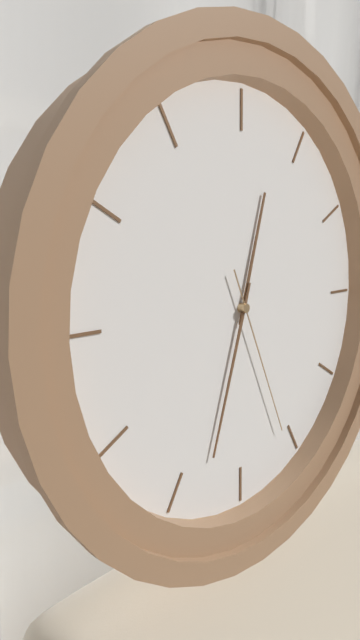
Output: {"hour": 12, "minute": 33, "second": 26}
